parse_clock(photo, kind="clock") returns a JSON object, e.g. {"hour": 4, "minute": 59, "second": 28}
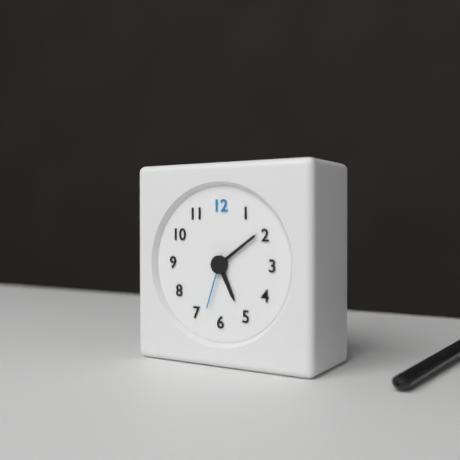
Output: {"hour": 5, "minute": 9, "second": 33}
